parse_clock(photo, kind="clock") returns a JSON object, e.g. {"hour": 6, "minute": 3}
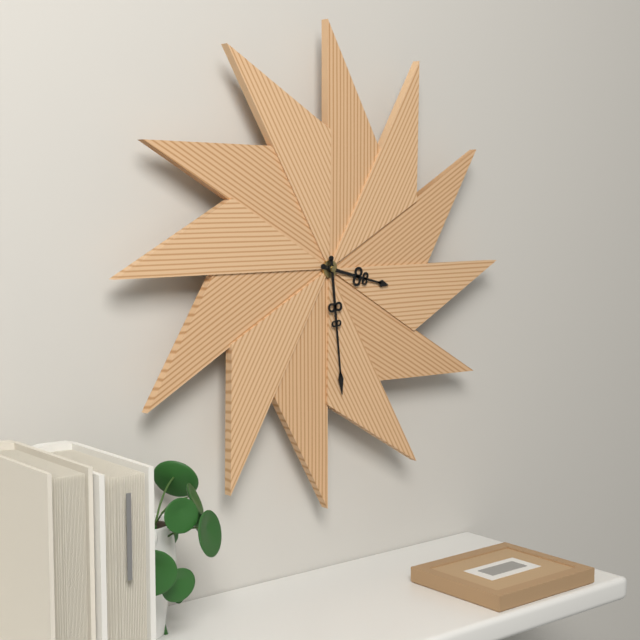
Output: {"hour": 3, "minute": 29}
